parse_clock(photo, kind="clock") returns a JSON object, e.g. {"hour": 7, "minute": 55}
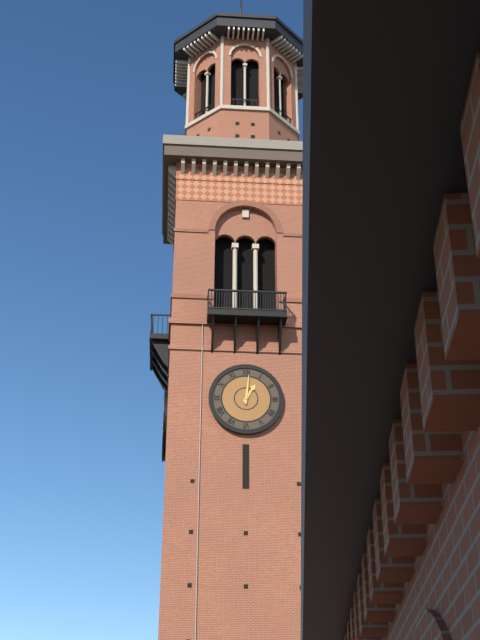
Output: {"hour": 1, "minute": 1}
